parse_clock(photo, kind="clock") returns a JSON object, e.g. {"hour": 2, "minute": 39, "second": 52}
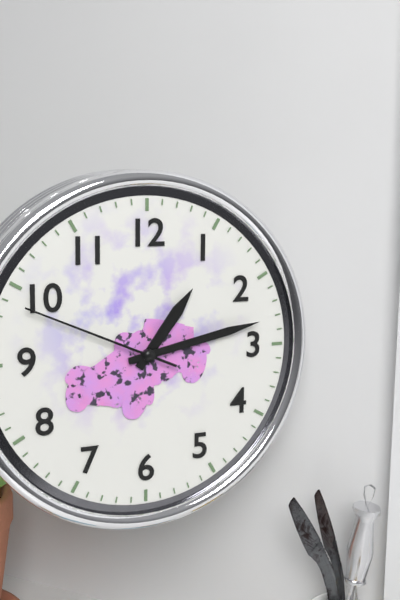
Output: {"hour": 1, "minute": 13, "second": 49}
